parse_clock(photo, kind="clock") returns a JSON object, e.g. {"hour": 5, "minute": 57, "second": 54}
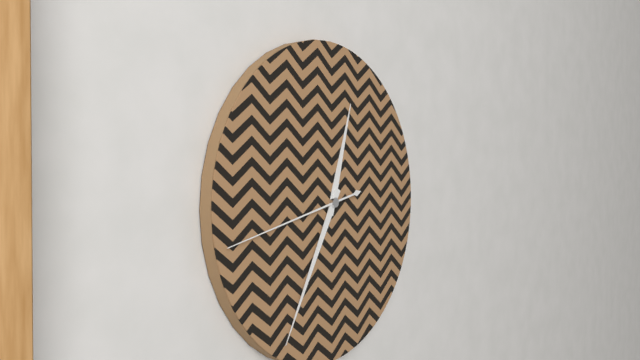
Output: {"hour": 12, "minute": 35, "second": 43}
